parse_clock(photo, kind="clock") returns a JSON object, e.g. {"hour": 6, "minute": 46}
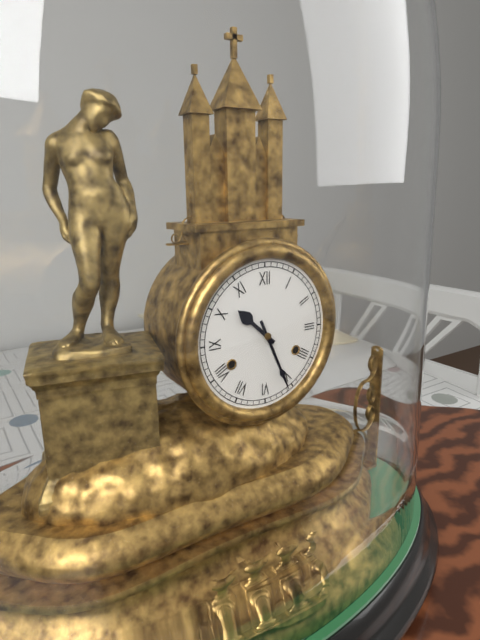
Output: {"hour": 10, "minute": 26}
